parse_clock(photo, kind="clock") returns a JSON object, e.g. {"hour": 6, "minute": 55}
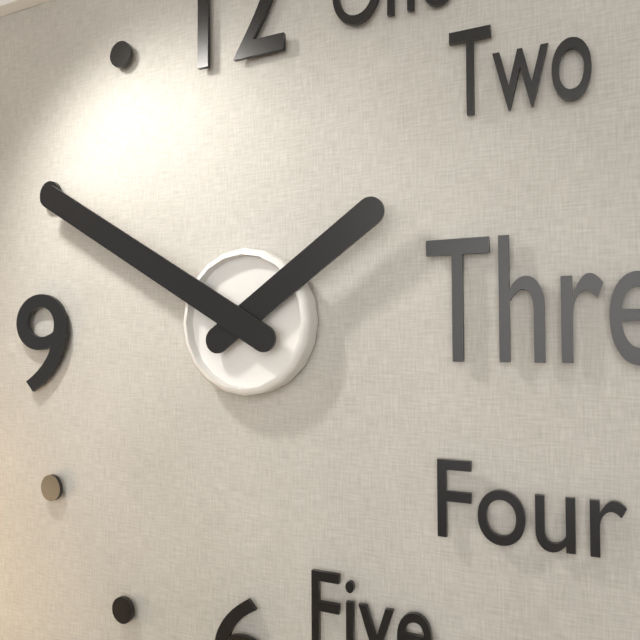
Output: {"hour": 1, "minute": 50}
